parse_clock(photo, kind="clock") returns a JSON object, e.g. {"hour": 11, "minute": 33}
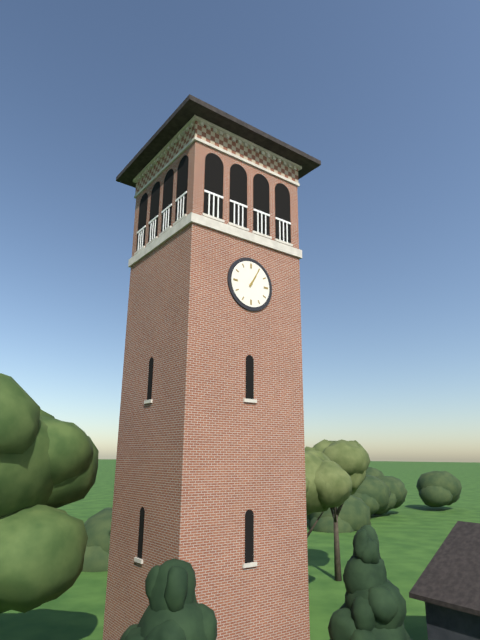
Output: {"hour": 1, "minute": 5}
